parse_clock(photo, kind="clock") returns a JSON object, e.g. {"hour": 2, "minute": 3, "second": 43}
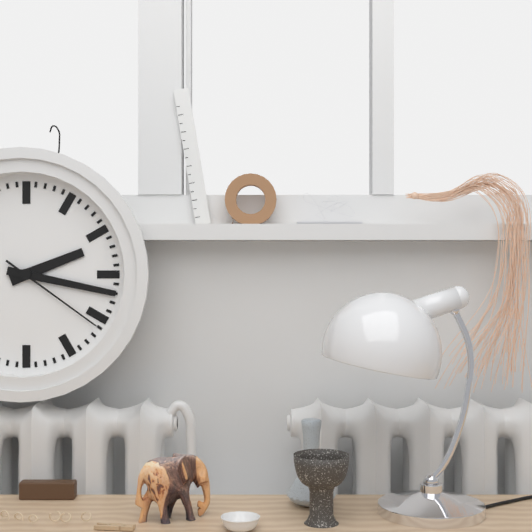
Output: {"hour": 2, "minute": 17, "second": 21}
